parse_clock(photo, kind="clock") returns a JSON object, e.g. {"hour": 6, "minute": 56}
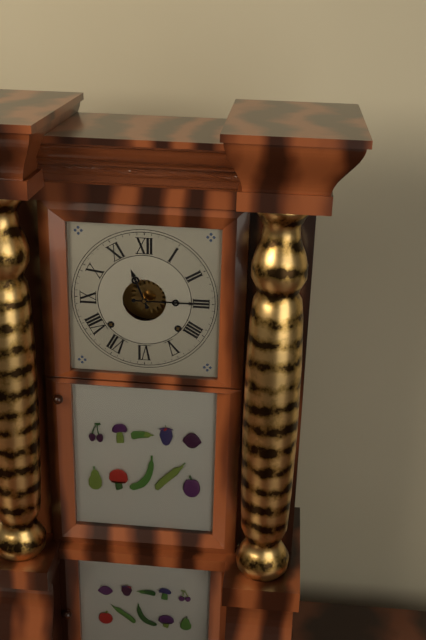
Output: {"hour": 11, "minute": 15}
